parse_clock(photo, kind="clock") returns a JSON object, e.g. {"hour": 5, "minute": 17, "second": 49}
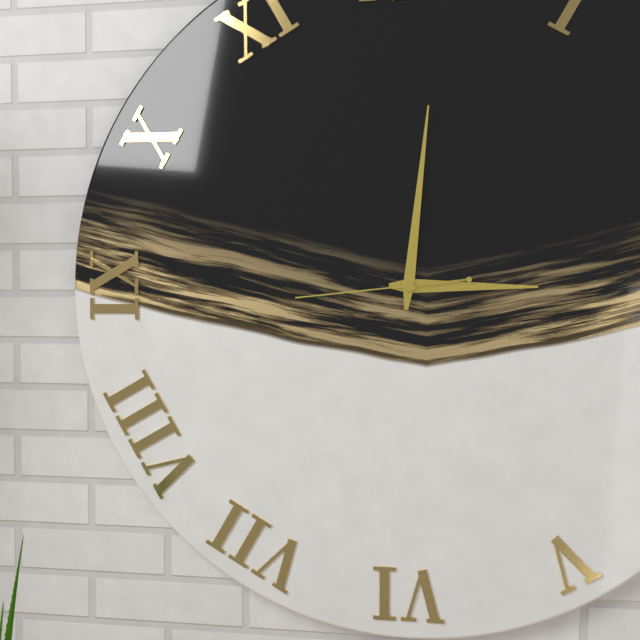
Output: {"hour": 3, "minute": 1, "second": 44}
